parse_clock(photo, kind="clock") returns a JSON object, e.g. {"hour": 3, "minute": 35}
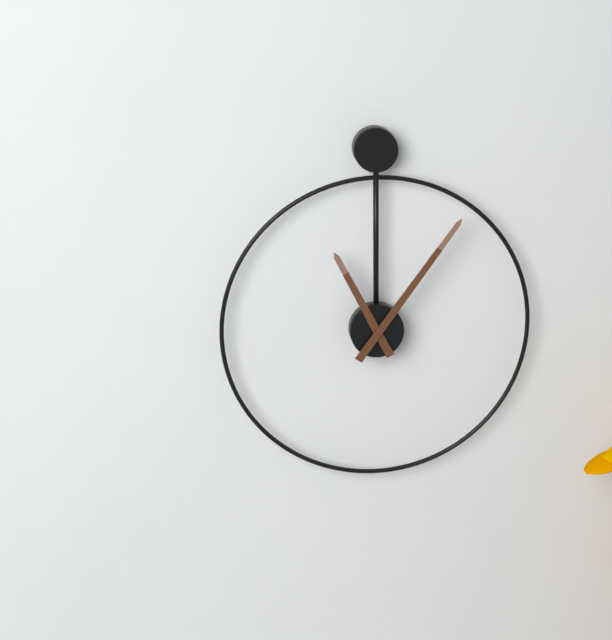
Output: {"hour": 11, "minute": 6}
